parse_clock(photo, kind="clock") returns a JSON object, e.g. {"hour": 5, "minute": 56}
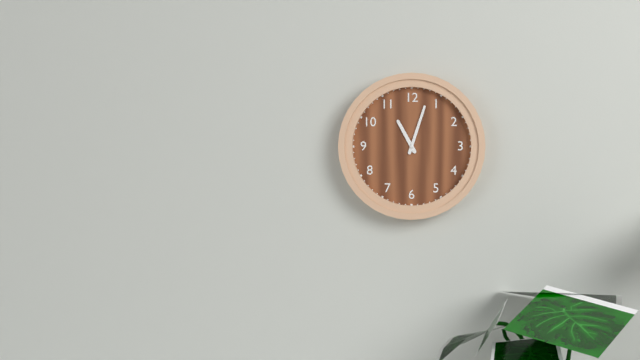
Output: {"hour": 11, "minute": 3}
